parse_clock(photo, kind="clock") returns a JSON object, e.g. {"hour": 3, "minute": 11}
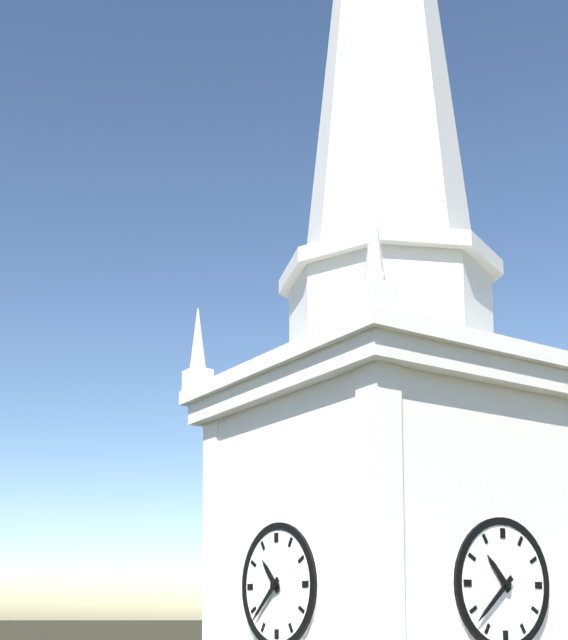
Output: {"hour": 10, "minute": 38}
